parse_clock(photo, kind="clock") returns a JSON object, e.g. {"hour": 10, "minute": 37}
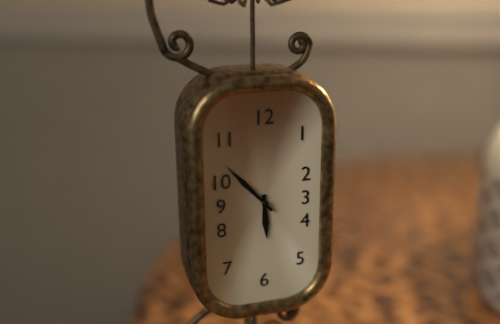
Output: {"hour": 5, "minute": 53}
